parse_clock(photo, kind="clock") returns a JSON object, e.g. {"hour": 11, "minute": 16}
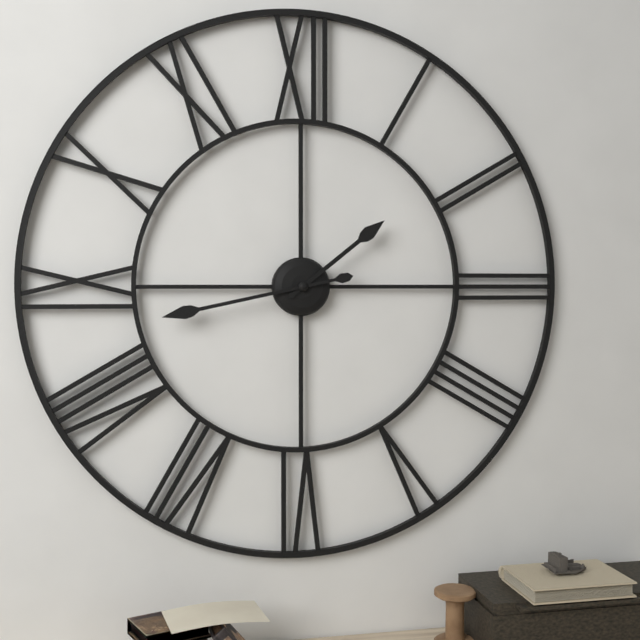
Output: {"hour": 1, "minute": 43}
